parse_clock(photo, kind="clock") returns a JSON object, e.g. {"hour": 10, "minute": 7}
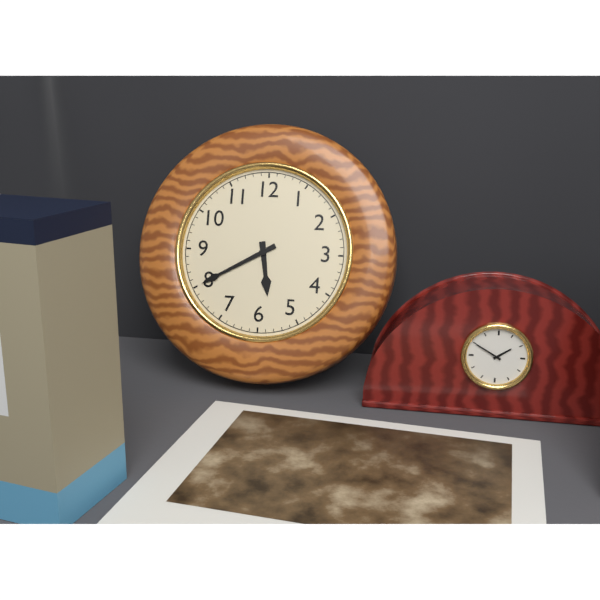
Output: {"hour": 5, "minute": 40}
